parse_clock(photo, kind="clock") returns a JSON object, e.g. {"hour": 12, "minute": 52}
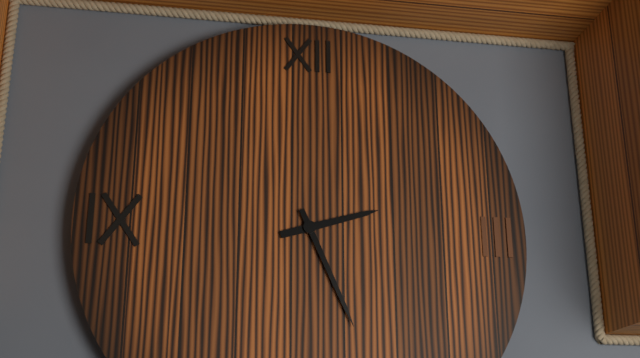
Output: {"hour": 2, "minute": 26}
